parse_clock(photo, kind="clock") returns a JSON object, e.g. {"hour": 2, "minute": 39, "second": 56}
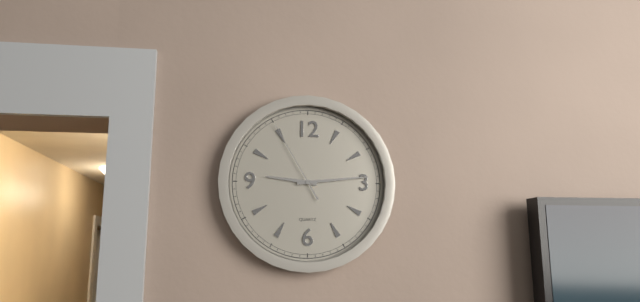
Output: {"hour": 9, "minute": 14, "second": 55}
